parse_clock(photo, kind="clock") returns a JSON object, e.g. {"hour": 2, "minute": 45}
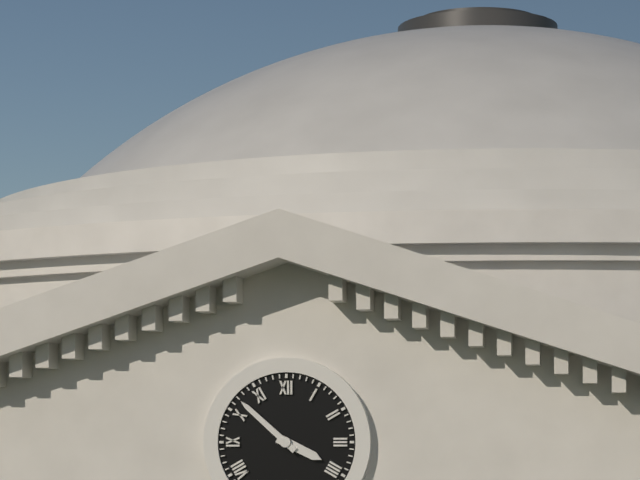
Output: {"hour": 3, "minute": 52}
